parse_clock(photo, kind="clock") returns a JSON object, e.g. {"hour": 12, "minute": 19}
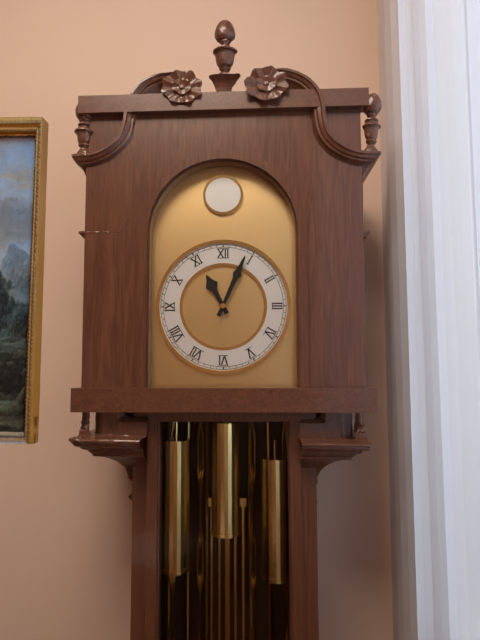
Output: {"hour": 11, "minute": 4}
